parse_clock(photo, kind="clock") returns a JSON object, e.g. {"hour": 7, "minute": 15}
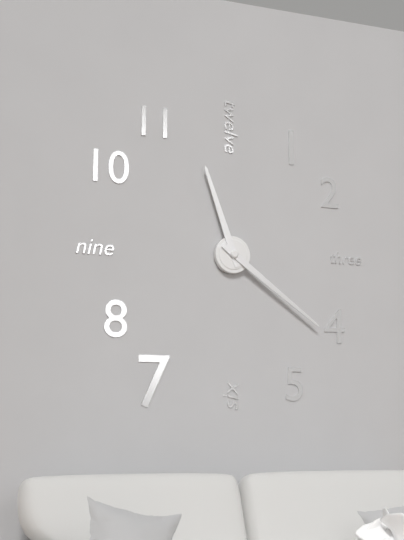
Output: {"hour": 11, "minute": 21}
